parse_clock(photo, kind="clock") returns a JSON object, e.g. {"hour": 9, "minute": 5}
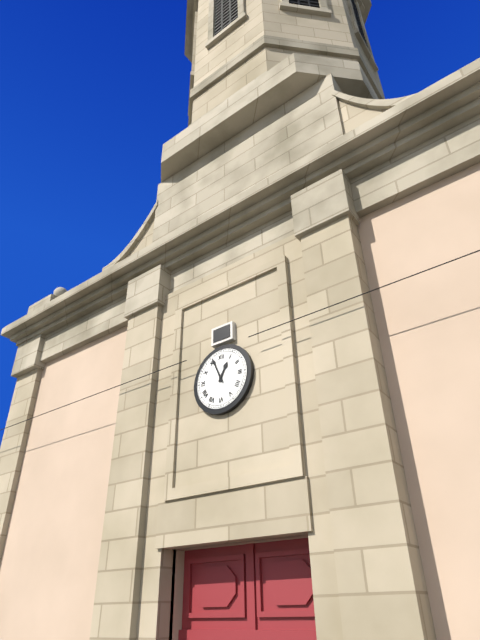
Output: {"hour": 12, "minute": 56}
